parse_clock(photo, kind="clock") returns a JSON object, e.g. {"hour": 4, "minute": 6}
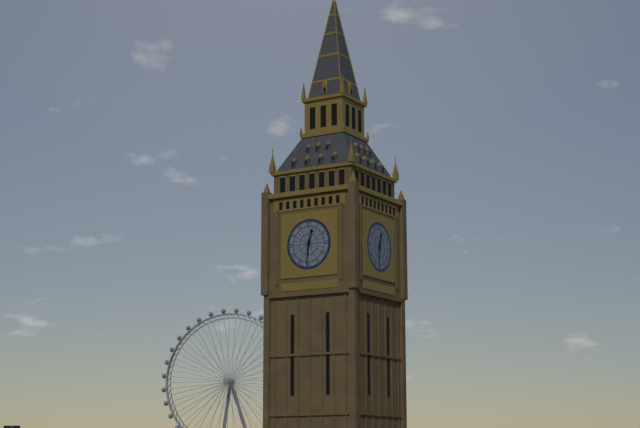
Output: {"hour": 12, "minute": 31}
